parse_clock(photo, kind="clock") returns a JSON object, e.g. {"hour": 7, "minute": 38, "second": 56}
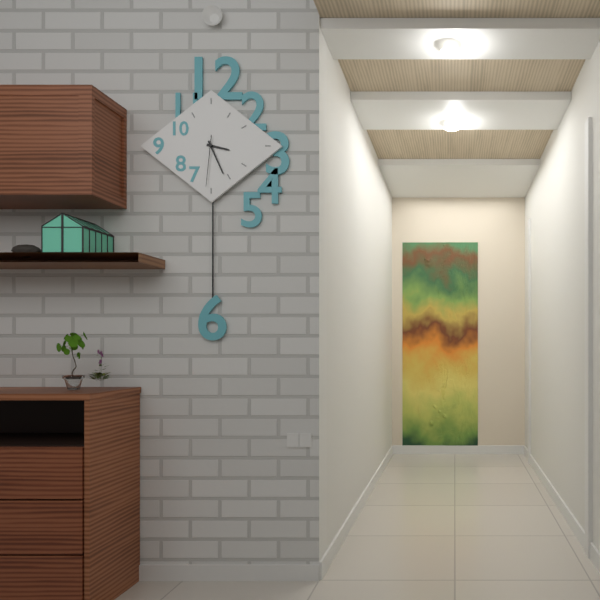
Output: {"hour": 3, "minute": 26, "second": 31}
